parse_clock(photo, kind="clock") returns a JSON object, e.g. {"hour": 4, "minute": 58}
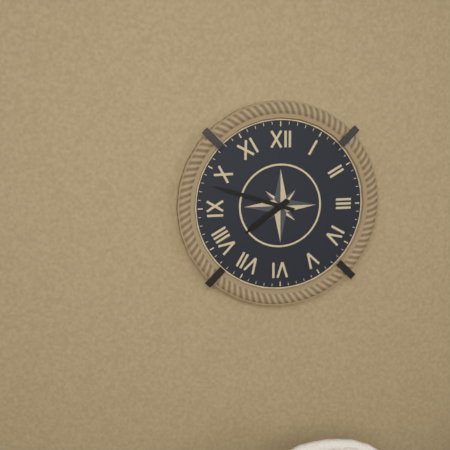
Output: {"hour": 7, "minute": 48}
